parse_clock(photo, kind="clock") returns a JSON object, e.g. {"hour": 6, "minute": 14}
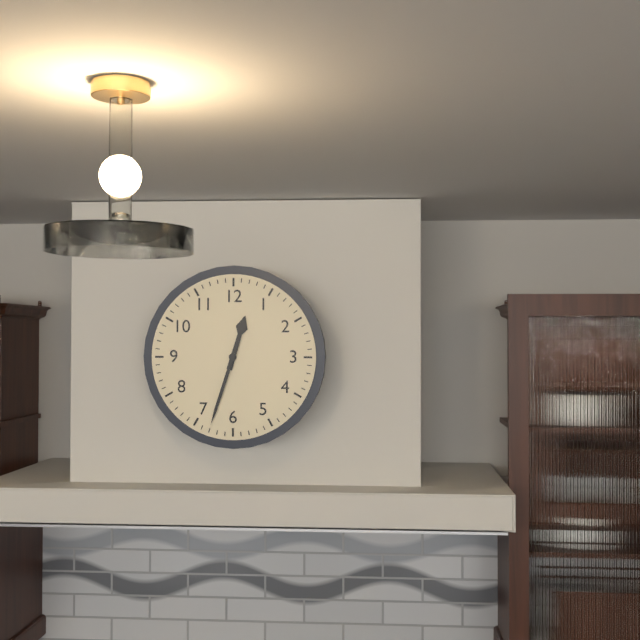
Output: {"hour": 12, "minute": 33}
